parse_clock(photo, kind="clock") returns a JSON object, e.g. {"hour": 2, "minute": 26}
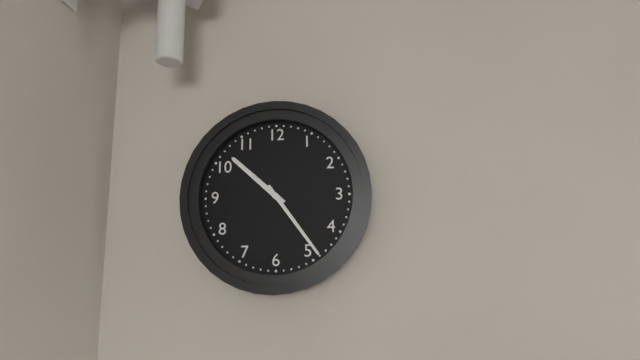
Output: {"hour": 10, "minute": 24}
